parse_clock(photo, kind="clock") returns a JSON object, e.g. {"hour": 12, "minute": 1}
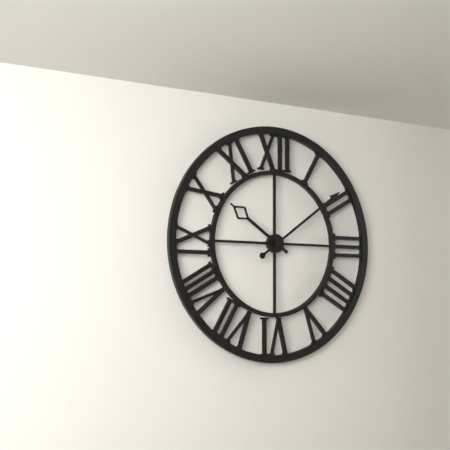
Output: {"hour": 10, "minute": 9}
